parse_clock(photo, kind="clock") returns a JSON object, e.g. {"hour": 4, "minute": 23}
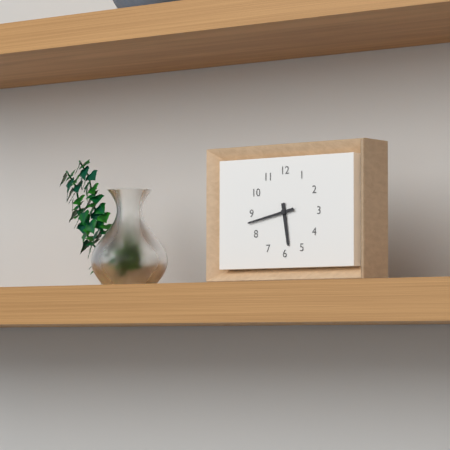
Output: {"hour": 5, "minute": 43}
